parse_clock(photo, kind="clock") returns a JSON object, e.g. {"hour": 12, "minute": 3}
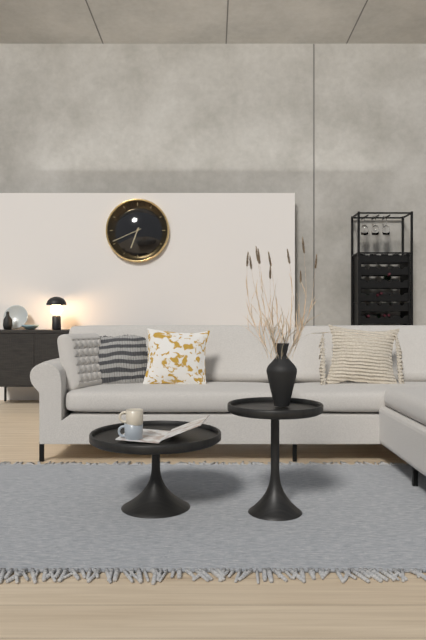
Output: {"hour": 6, "minute": 41}
